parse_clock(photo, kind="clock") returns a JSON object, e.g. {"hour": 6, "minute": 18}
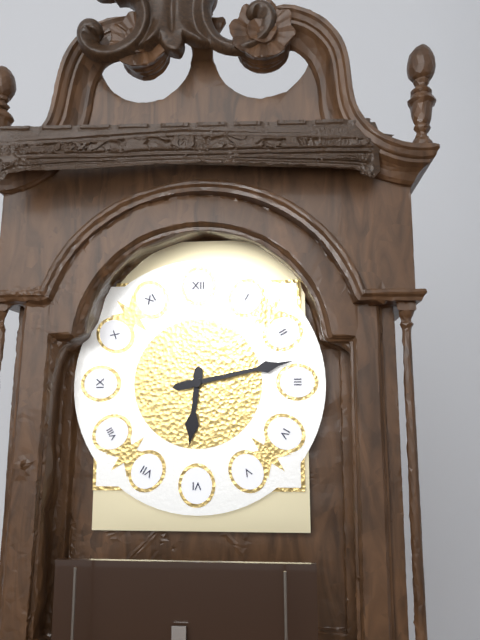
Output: {"hour": 6, "minute": 13}
